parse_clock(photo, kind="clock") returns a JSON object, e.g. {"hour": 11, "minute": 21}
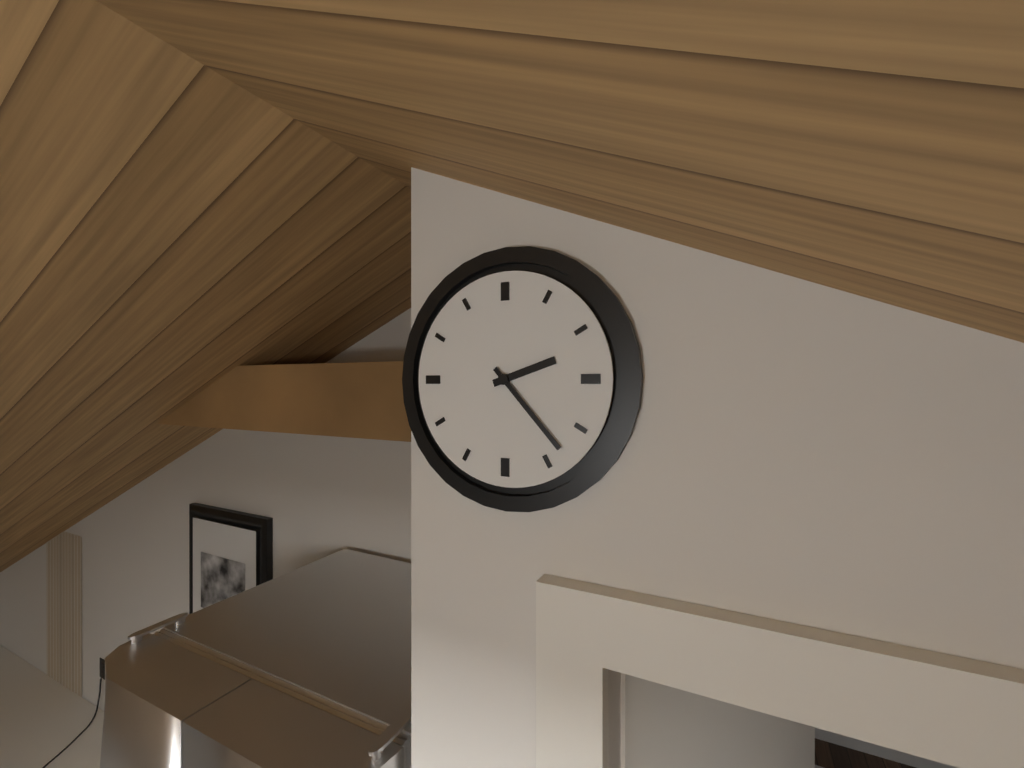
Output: {"hour": 2, "minute": 23}
